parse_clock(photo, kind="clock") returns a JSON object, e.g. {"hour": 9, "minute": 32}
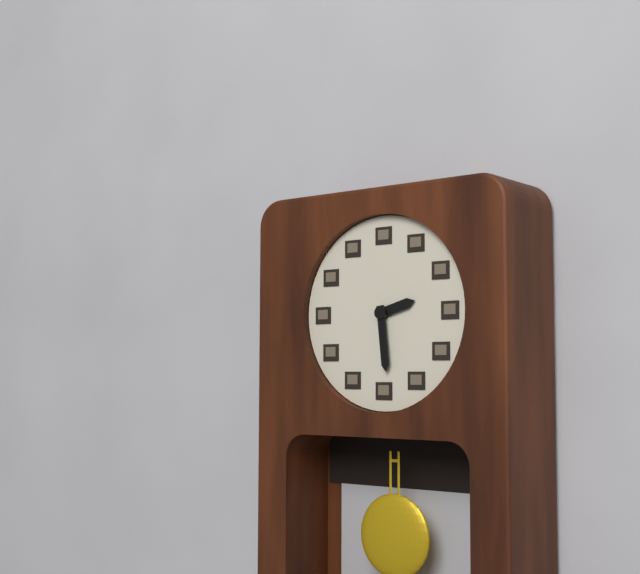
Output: {"hour": 2, "minute": 29}
